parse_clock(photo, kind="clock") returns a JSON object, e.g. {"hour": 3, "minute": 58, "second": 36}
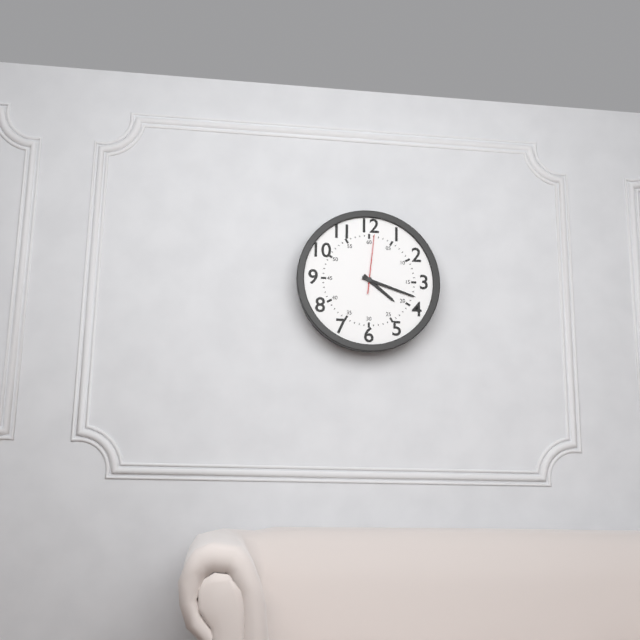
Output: {"hour": 4, "minute": 18, "second": 1}
